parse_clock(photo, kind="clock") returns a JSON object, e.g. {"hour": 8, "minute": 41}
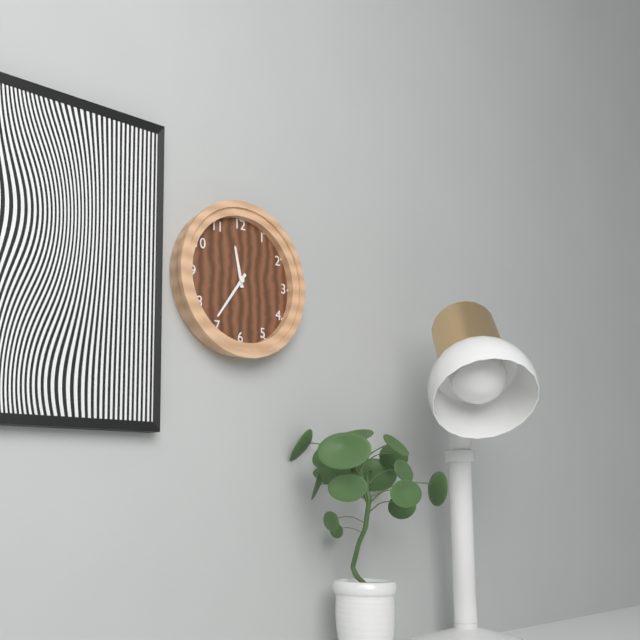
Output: {"hour": 11, "minute": 36}
